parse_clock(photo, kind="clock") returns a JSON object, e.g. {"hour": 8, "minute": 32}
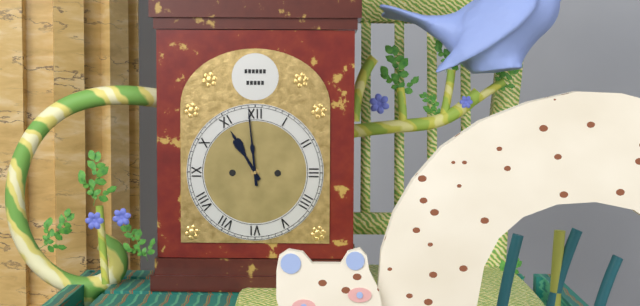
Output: {"hour": 10, "minute": 59}
